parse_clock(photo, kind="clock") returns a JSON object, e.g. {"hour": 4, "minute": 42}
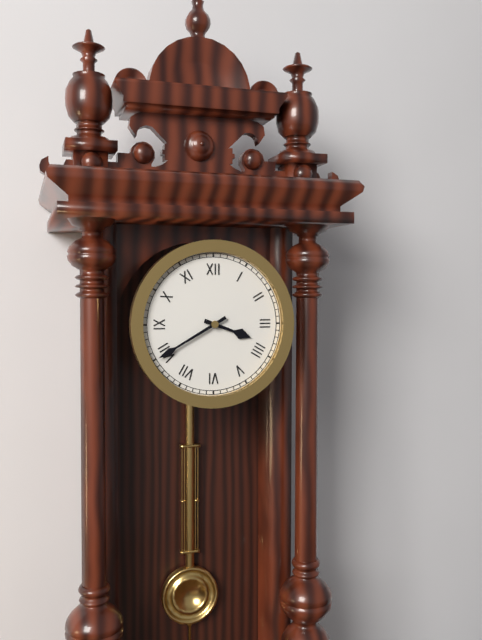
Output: {"hour": 3, "minute": 40}
